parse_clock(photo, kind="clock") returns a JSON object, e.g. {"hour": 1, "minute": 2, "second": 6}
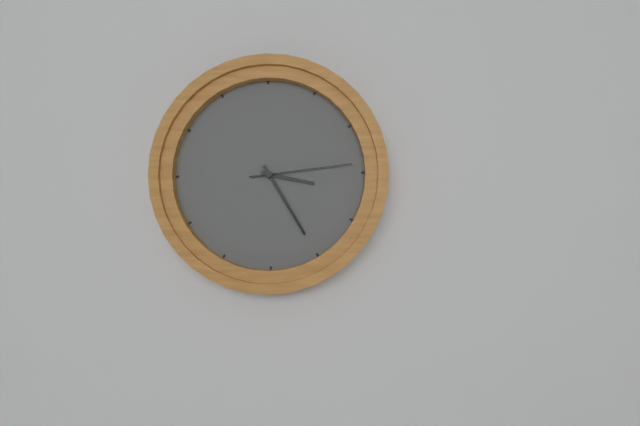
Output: {"hour": 3, "minute": 25, "second": 14}
